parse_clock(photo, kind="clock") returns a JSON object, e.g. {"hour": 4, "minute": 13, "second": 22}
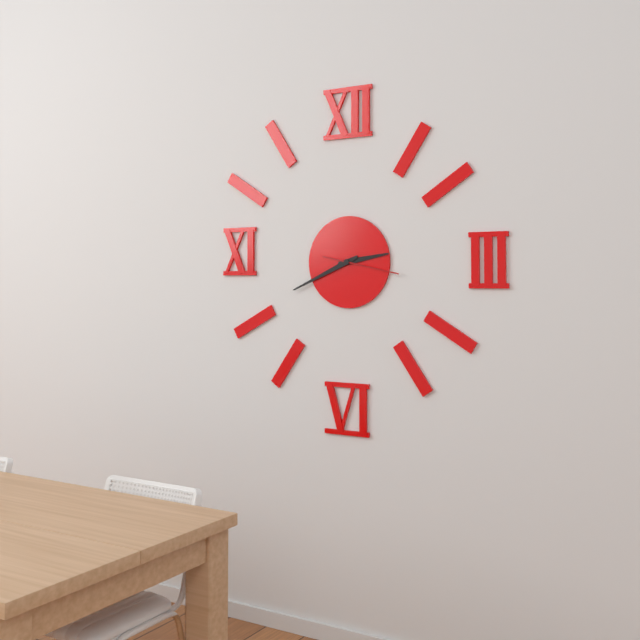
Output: {"hour": 2, "minute": 41, "second": 17}
